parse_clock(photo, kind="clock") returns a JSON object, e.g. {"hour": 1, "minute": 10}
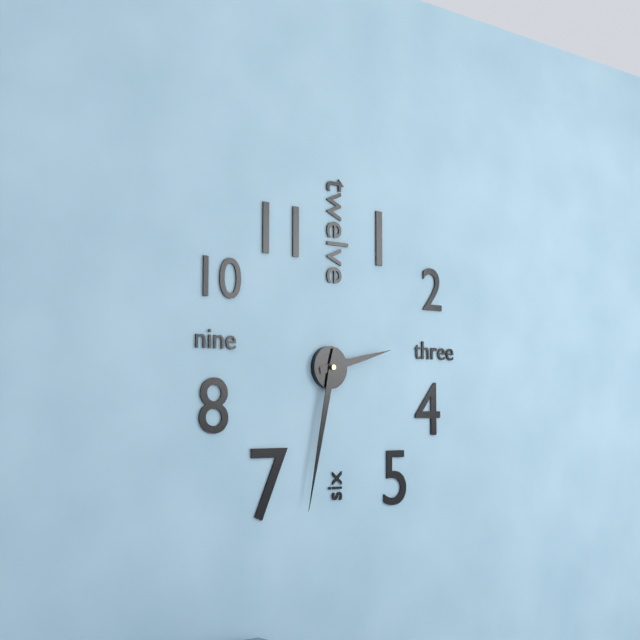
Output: {"hour": 2, "minute": 32}
